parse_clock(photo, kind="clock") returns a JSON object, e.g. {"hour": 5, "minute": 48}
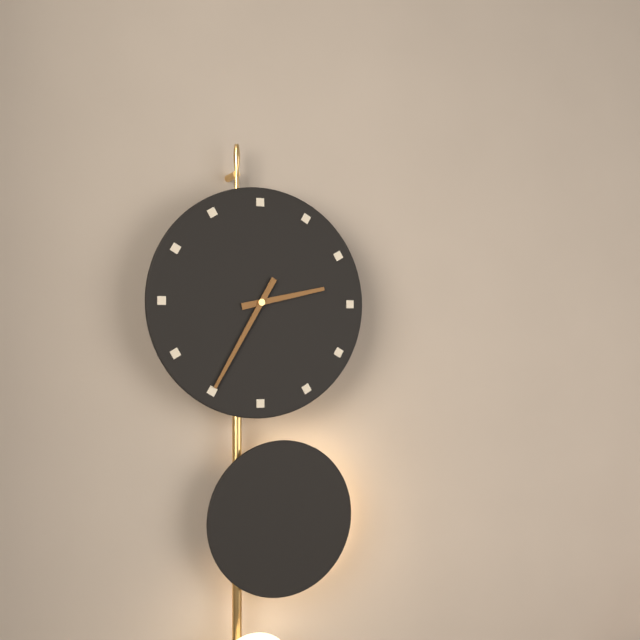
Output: {"hour": 2, "minute": 35}
